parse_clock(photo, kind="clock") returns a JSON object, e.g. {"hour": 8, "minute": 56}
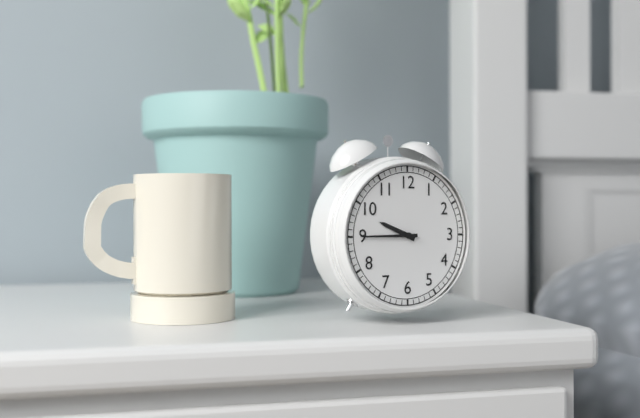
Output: {"hour": 9, "minute": 45}
